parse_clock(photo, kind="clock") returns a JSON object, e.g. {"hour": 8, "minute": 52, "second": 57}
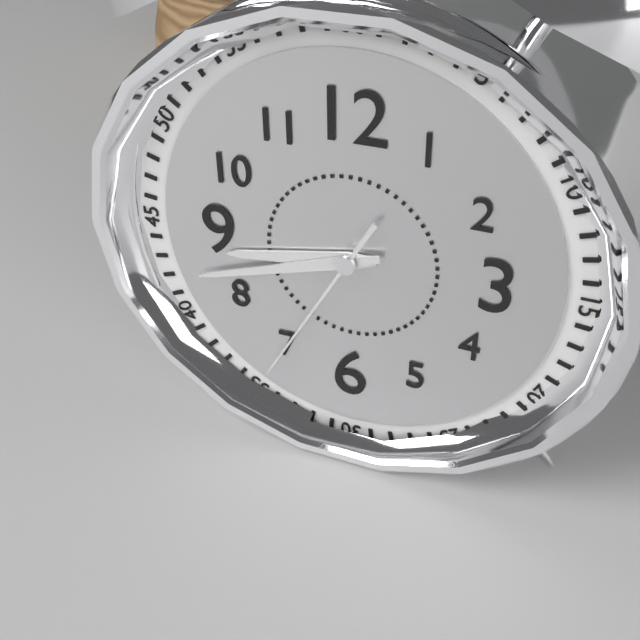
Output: {"hour": 8, "minute": 42, "second": 35}
